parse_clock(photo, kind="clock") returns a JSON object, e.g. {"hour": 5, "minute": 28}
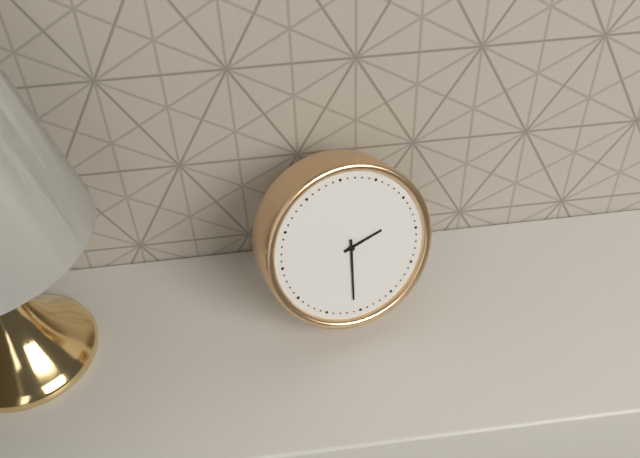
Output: {"hour": 2, "minute": 31}
